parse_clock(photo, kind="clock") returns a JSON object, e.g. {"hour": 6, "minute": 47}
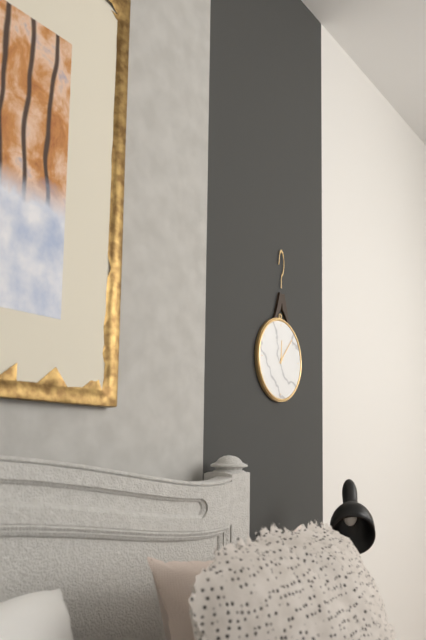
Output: {"hour": 12, "minute": 7}
